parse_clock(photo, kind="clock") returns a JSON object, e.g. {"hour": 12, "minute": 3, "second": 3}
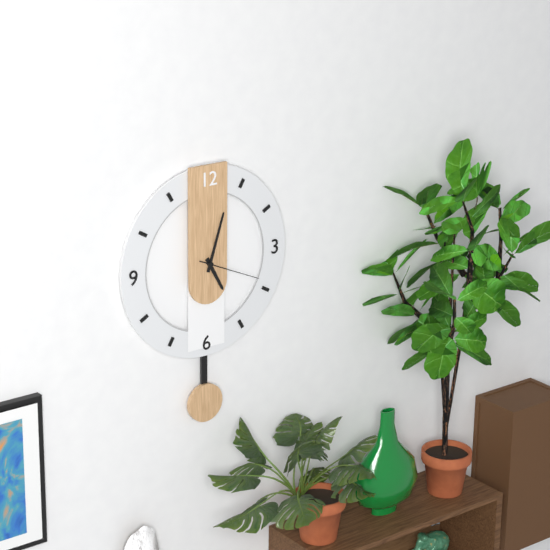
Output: {"hour": 5, "minute": 3, "second": 19}
